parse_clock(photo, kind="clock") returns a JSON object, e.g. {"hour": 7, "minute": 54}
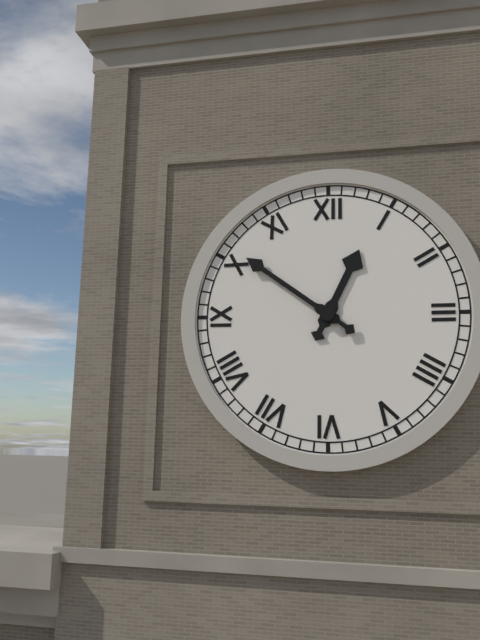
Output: {"hour": 12, "minute": 51}
